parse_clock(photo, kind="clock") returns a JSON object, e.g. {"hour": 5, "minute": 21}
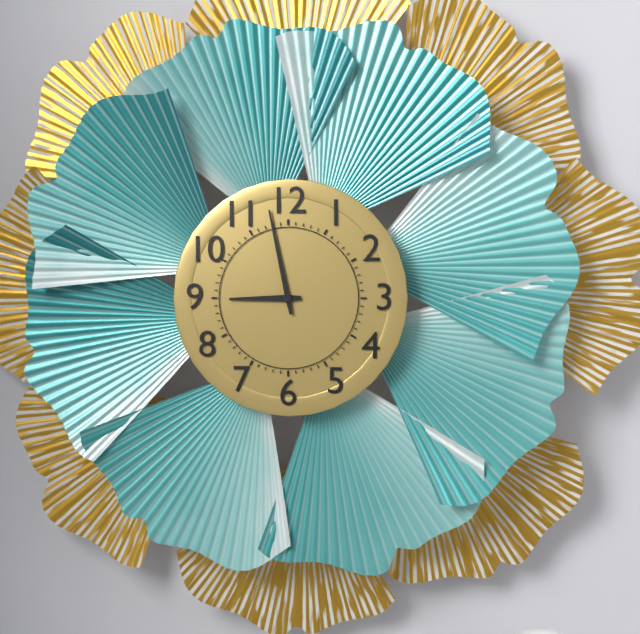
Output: {"hour": 8, "minute": 58}
